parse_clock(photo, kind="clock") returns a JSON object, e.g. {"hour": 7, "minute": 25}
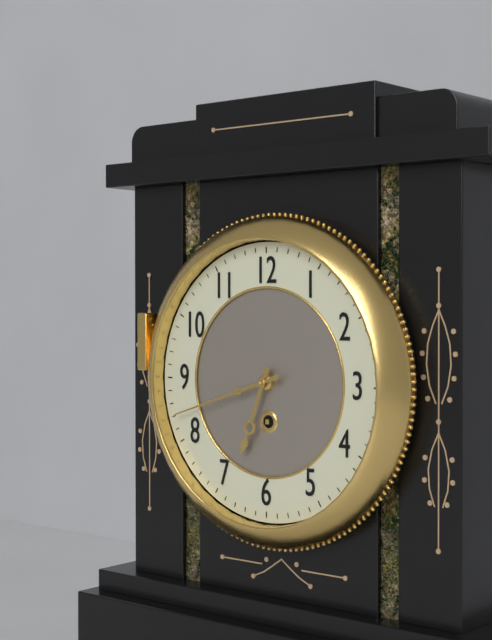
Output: {"hour": 6, "minute": 42}
